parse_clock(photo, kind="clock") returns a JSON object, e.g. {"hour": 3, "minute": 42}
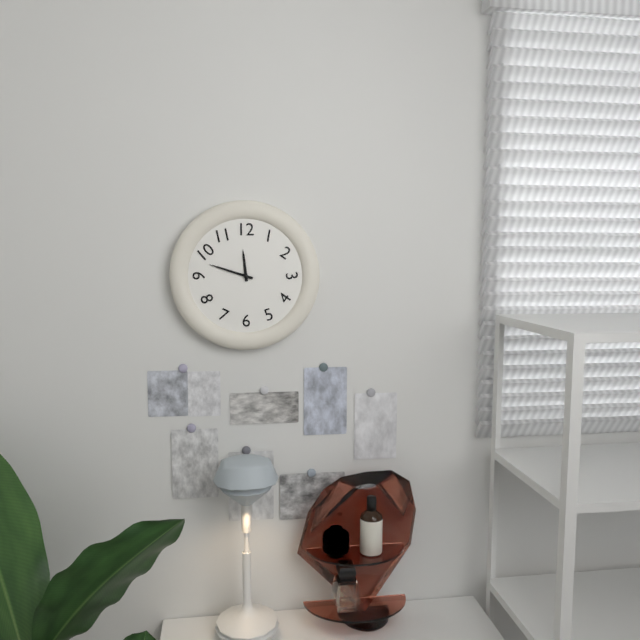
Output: {"hour": 11, "minute": 48}
